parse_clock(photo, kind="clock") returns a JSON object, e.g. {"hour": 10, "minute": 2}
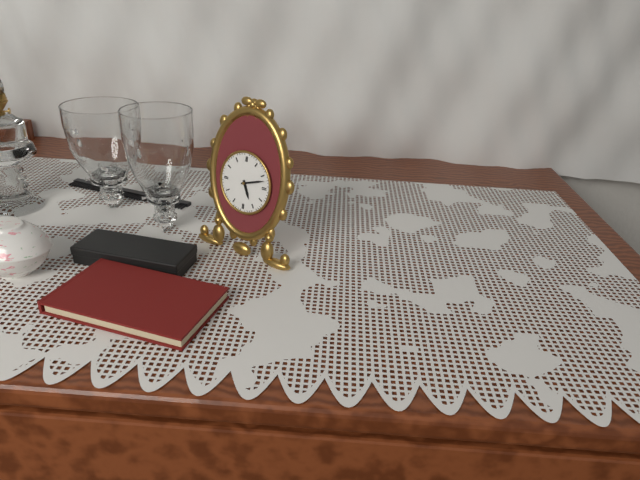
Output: {"hour": 5, "minute": 12}
